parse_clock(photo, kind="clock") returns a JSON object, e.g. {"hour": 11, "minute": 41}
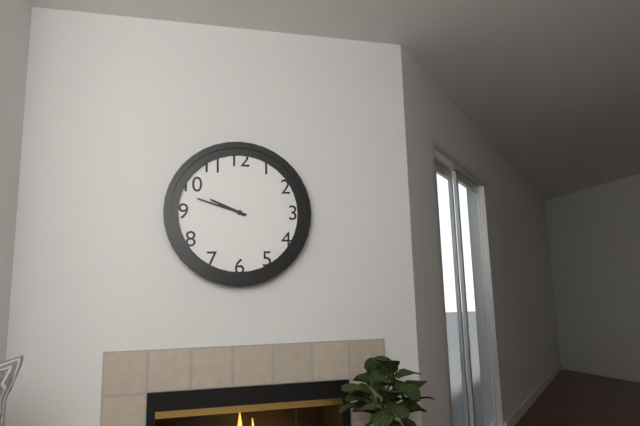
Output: {"hour": 9, "minute": 48}
